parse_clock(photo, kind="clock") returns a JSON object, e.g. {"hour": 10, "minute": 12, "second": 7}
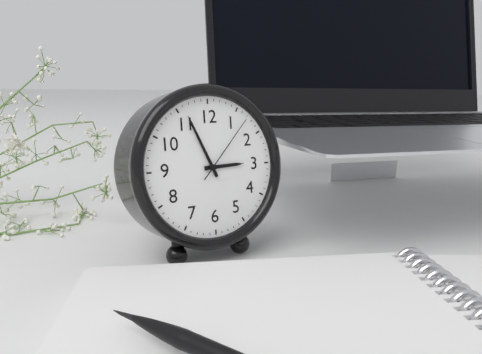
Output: {"hour": 2, "minute": 56, "second": 7}
